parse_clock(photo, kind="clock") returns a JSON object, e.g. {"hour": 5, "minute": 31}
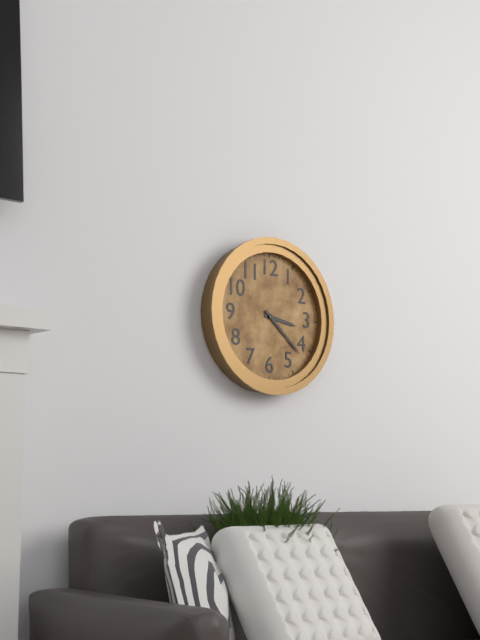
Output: {"hour": 3, "minute": 22}
